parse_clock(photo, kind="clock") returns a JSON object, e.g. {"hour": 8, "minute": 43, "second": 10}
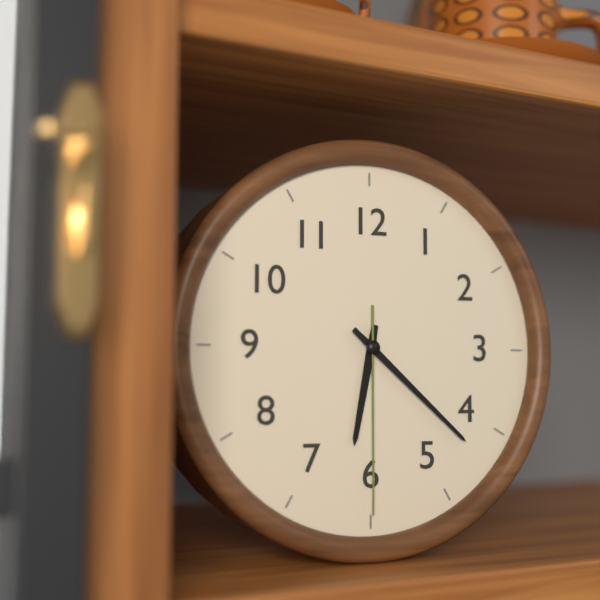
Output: {"hour": 6, "minute": 22, "second": 30}
